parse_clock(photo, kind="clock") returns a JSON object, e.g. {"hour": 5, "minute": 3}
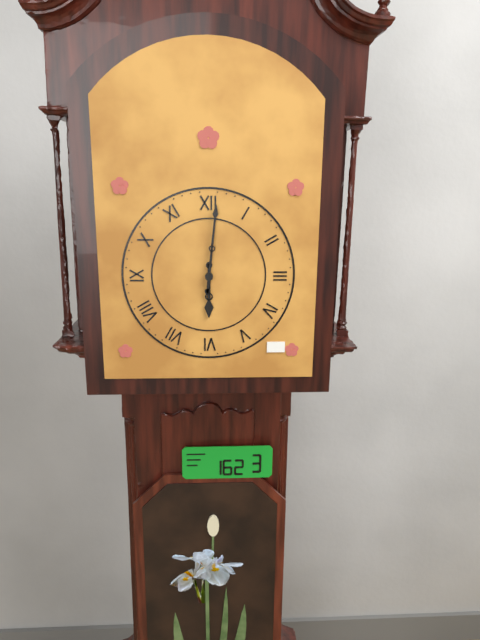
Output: {"hour": 6, "minute": 1}
